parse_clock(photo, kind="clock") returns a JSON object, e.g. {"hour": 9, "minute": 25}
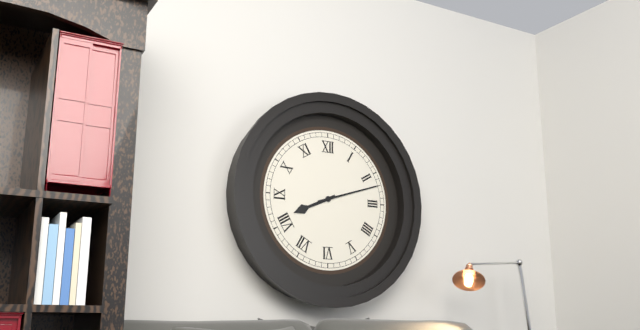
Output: {"hour": 8, "minute": 12}
